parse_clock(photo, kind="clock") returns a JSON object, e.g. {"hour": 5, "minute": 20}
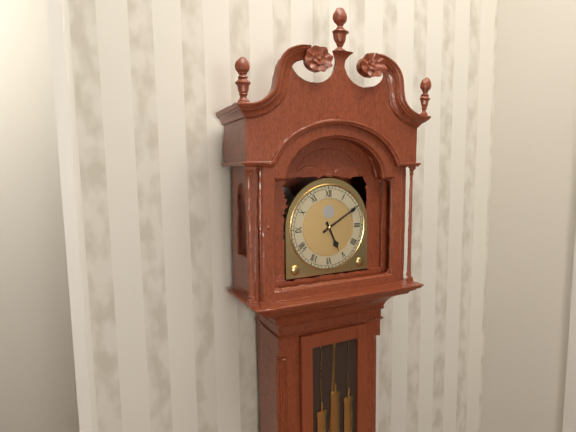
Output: {"hour": 5, "minute": 10}
